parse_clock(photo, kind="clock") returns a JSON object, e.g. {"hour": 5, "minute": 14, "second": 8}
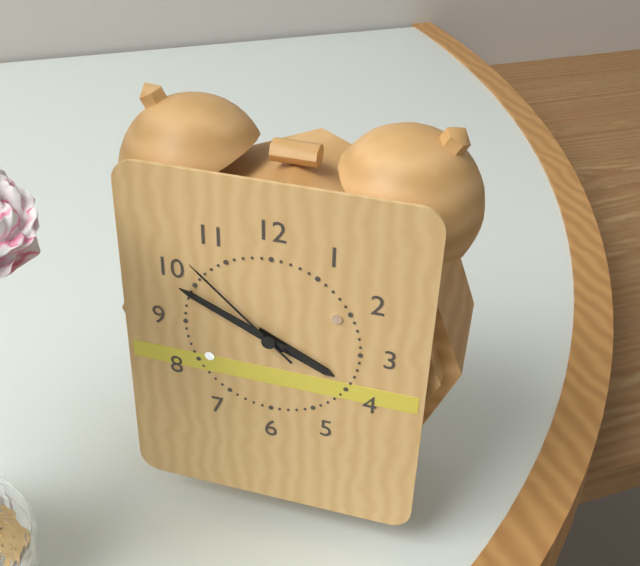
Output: {"hour": 3, "minute": 49, "second": 52}
